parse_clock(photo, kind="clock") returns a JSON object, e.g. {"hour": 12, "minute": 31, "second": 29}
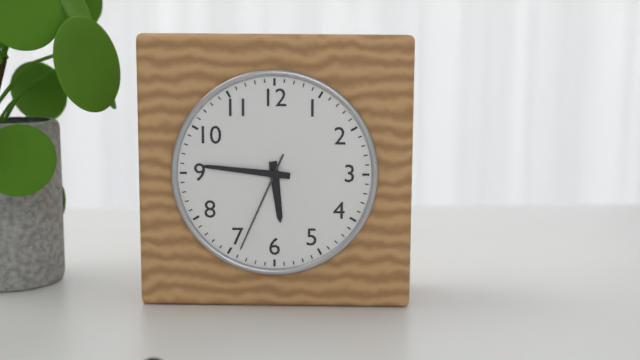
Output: {"hour": 5, "minute": 46, "second": 34}
